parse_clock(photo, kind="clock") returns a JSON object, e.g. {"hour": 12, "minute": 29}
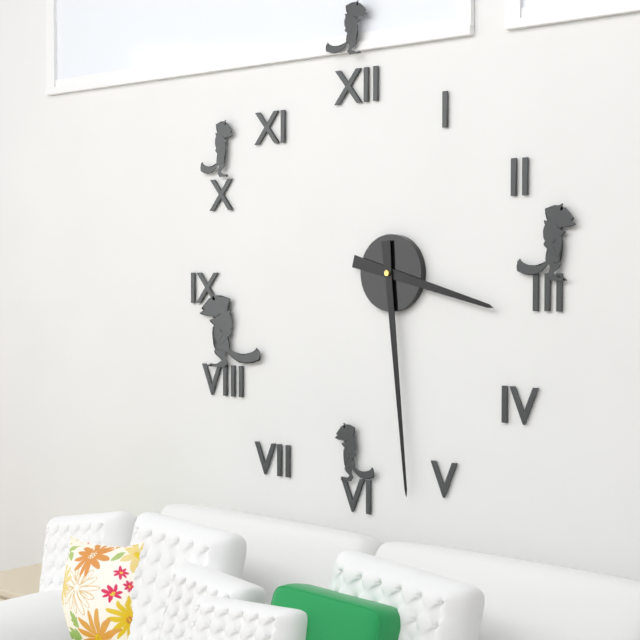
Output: {"hour": 3, "minute": 29}
